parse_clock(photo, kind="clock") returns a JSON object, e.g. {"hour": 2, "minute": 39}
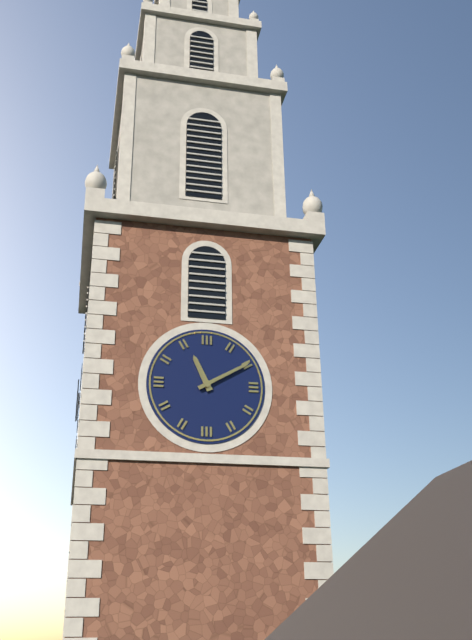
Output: {"hour": 11, "minute": 10}
